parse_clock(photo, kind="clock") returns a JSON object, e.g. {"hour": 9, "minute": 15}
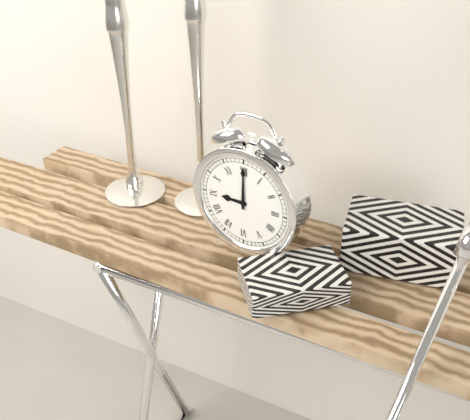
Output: {"hour": 9, "minute": 0}
